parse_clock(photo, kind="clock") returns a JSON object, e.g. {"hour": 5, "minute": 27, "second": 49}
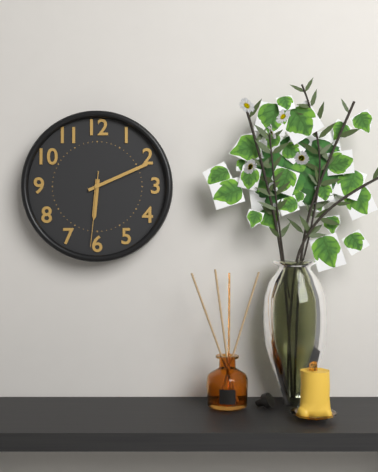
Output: {"hour": 6, "minute": 11, "second": 31}
